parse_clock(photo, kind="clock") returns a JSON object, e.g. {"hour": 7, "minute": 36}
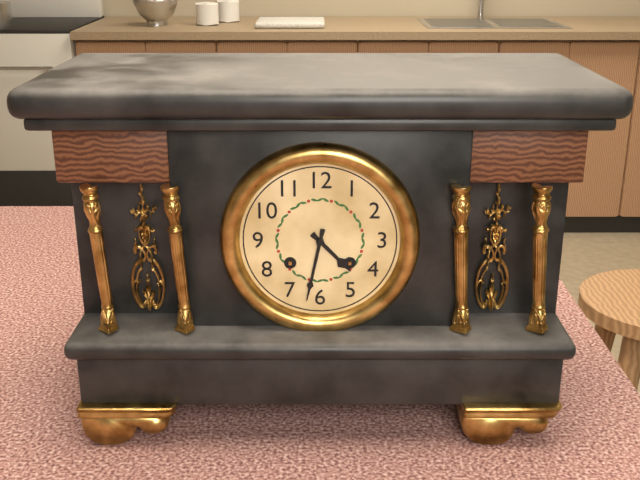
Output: {"hour": 4, "minute": 32}
